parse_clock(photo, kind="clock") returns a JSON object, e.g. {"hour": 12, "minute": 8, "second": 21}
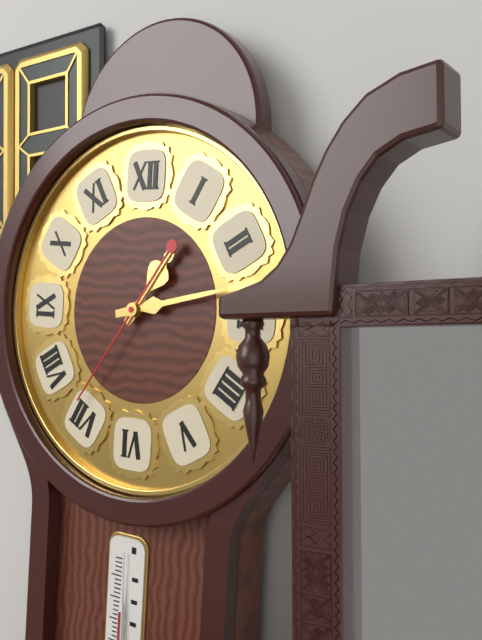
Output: {"hour": 1, "minute": 13, "second": 36}
